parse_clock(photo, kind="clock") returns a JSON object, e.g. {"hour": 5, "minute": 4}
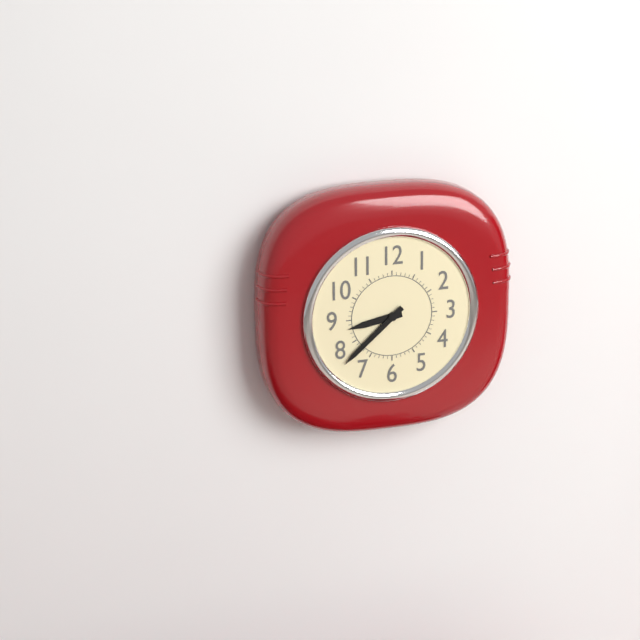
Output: {"hour": 8, "minute": 38}
